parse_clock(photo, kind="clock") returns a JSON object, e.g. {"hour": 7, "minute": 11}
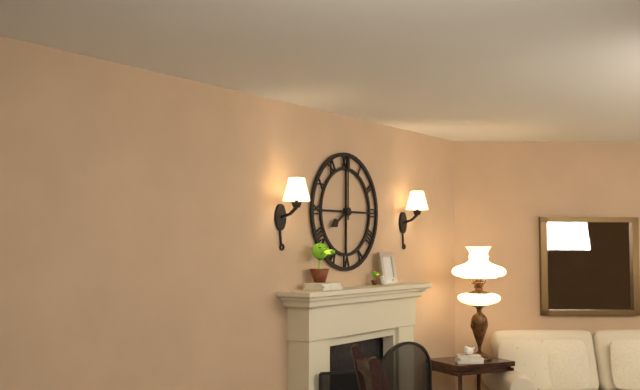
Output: {"hour": 8, "minute": 0}
